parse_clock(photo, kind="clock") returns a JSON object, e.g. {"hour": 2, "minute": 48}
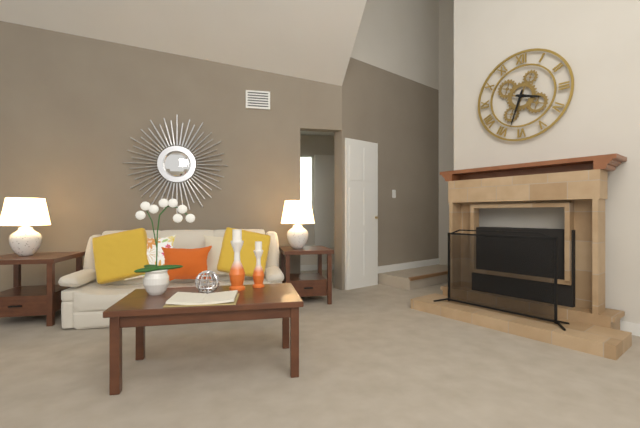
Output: {"hour": 3, "minute": 33}
